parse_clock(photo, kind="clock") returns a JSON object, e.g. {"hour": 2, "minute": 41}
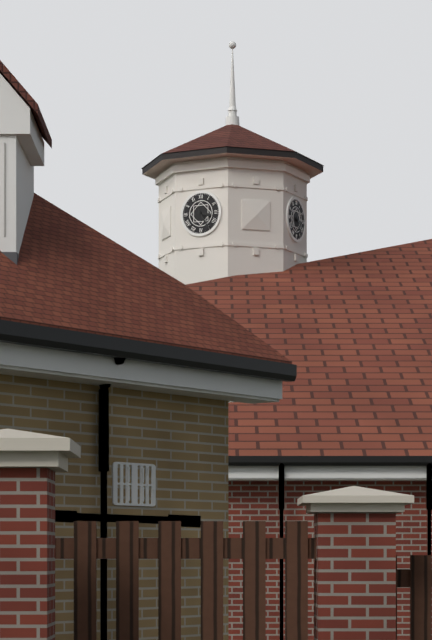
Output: {"hour": 3, "minute": 25}
